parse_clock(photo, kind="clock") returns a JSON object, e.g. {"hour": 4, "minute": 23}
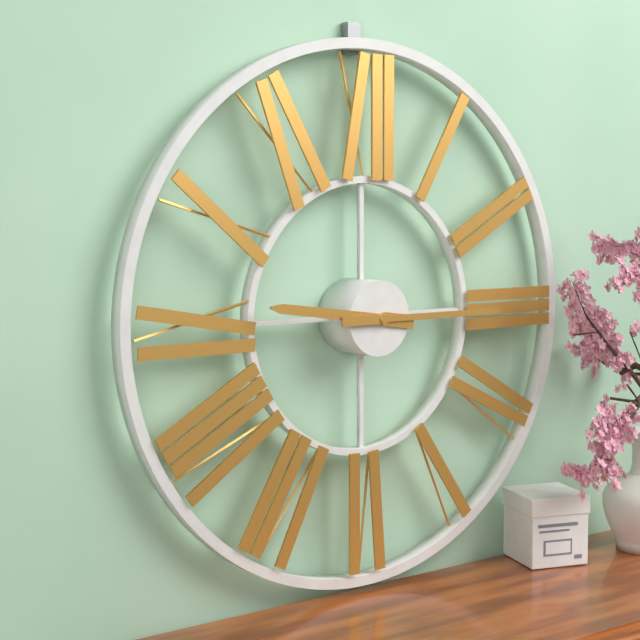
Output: {"hour": 9, "minute": 15}
